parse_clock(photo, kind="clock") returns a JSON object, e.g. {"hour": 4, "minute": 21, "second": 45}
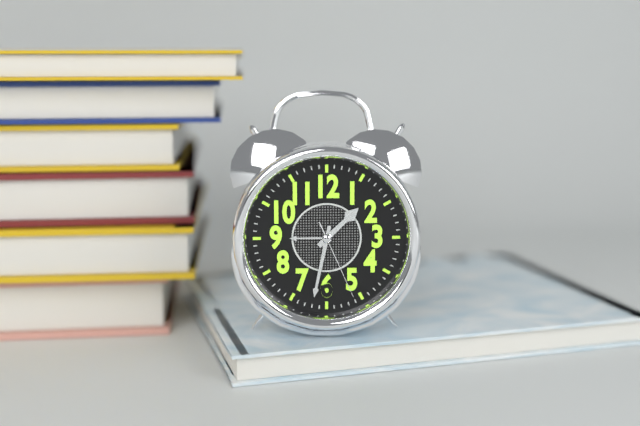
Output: {"hour": 1, "minute": 32, "second": 26}
